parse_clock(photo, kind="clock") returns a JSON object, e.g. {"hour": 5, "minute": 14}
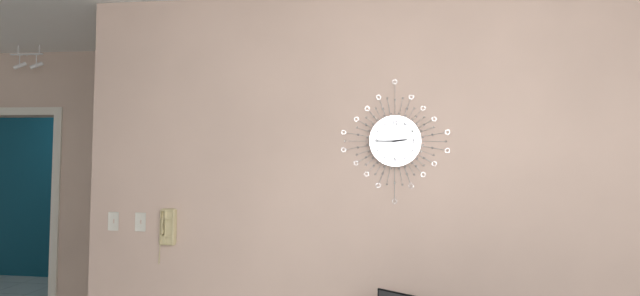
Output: {"hour": 2, "minute": 45}
